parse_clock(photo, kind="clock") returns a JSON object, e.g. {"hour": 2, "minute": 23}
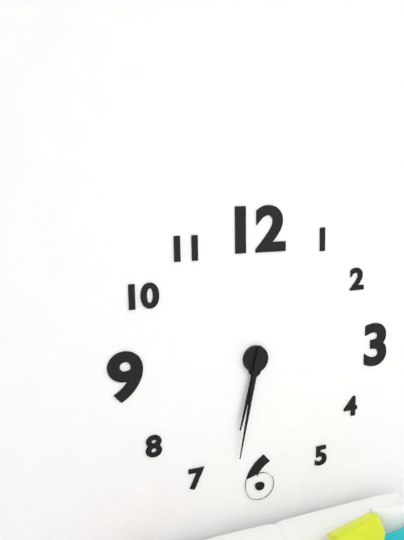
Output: {"hour": 6, "minute": 32}
